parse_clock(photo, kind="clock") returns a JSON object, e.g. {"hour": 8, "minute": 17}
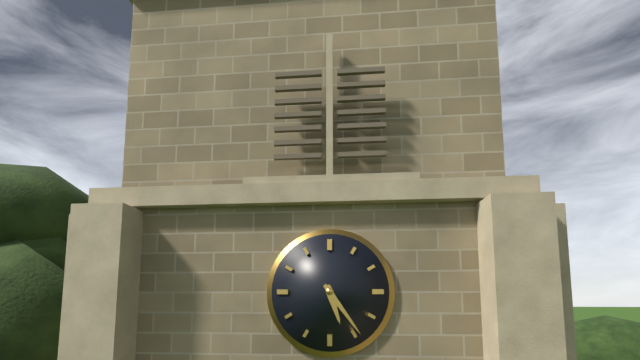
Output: {"hour": 5, "minute": 24}
